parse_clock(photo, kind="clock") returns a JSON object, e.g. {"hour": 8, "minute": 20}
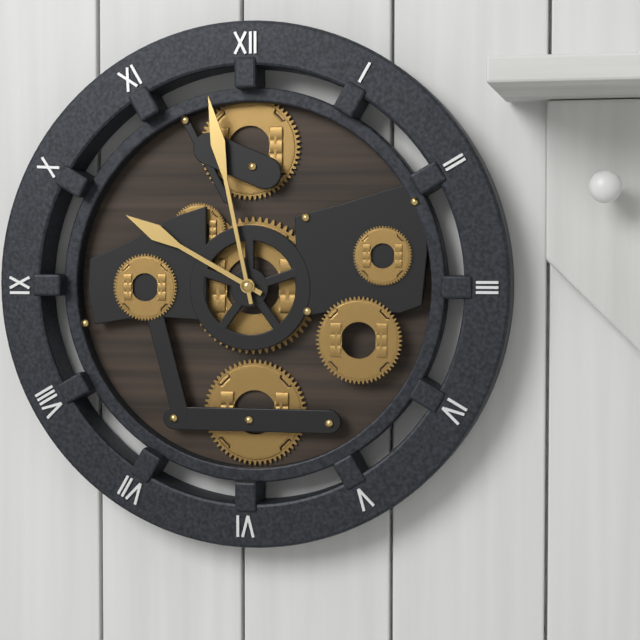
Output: {"hour": 9, "minute": 58}
